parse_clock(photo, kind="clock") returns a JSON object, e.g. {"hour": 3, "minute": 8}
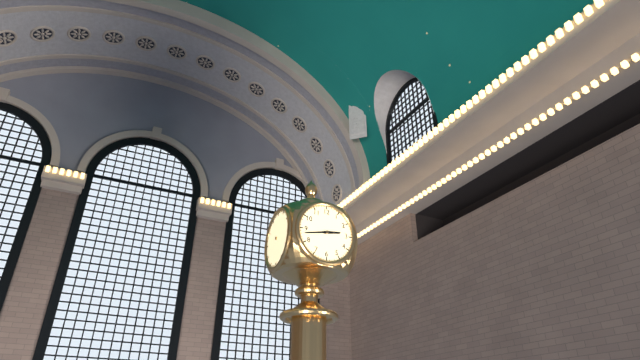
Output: {"hour": 2, "minute": 43}
